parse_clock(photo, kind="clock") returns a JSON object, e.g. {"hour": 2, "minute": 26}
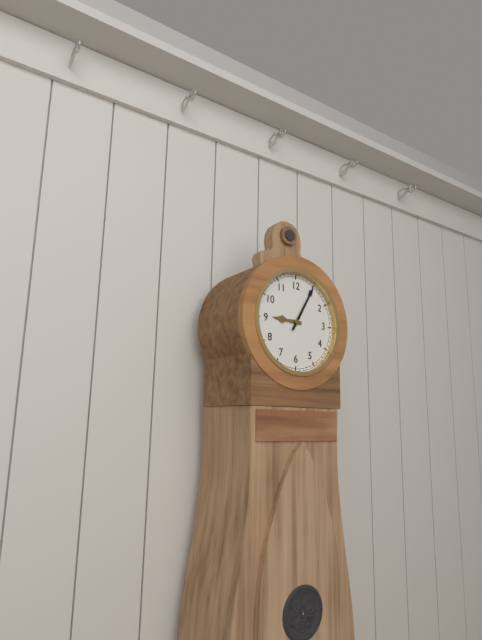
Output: {"hour": 9, "minute": 5}
